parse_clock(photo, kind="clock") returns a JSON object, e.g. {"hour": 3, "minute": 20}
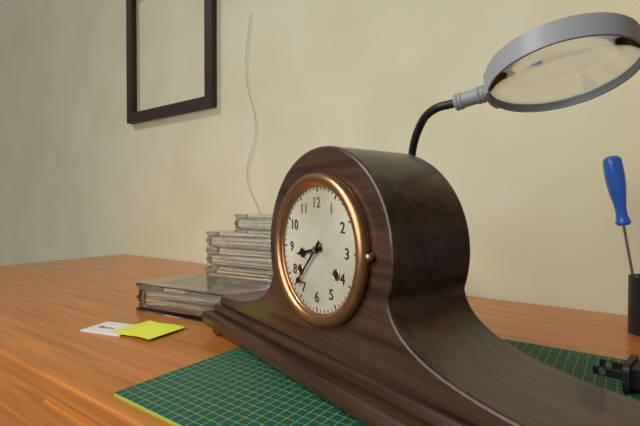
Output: {"hour": 8, "minute": 37}
